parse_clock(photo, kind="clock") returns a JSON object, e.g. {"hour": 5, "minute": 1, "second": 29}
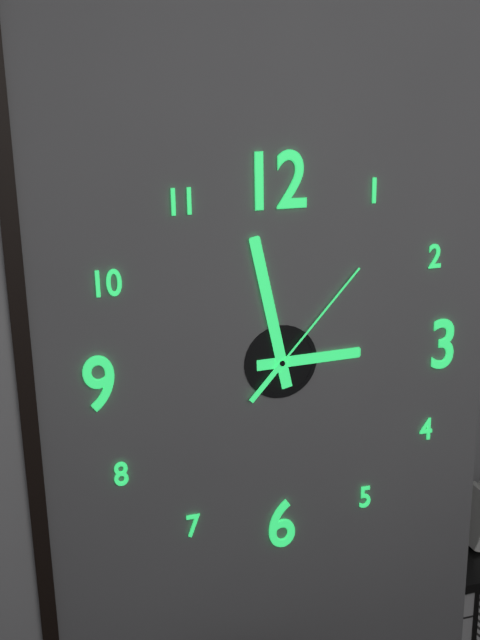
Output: {"hour": 2, "minute": 58, "second": 7}
